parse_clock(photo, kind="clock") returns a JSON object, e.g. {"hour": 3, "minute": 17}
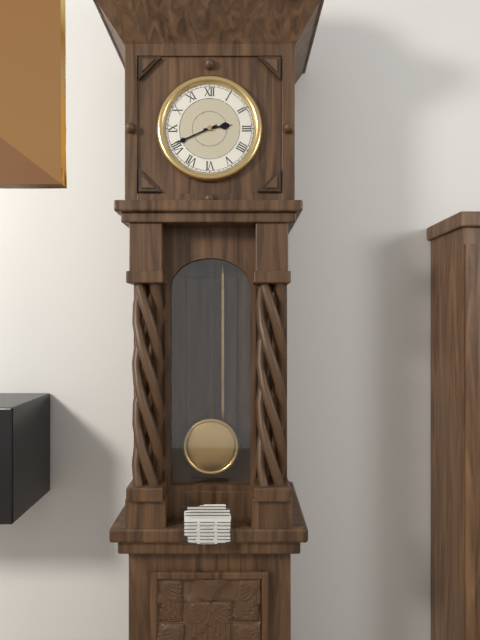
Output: {"hour": 2, "minute": 41}
